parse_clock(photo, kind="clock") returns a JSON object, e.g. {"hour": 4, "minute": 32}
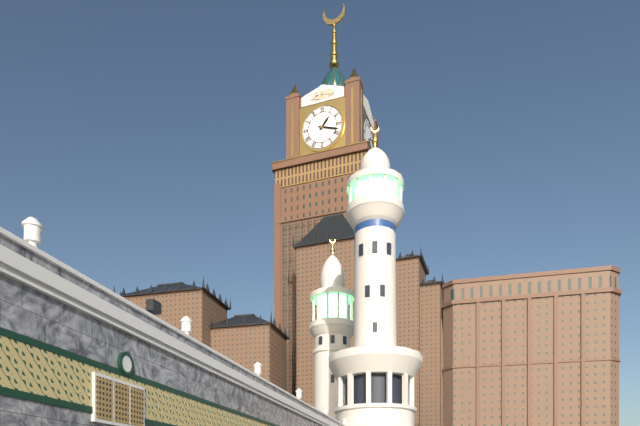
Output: {"hour": 1, "minute": 18}
